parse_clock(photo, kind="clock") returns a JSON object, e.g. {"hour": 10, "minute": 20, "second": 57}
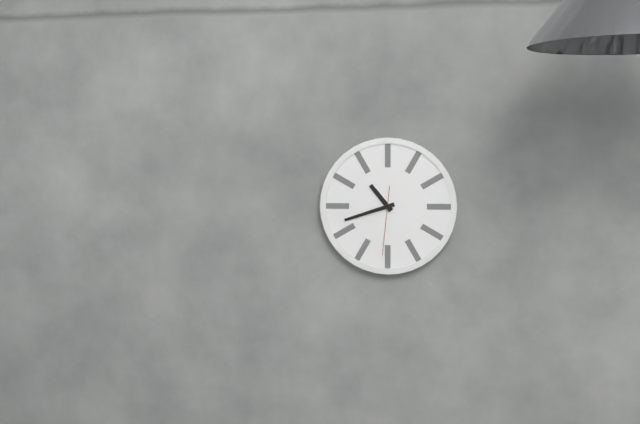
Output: {"hour": 10, "minute": 42, "second": 31}
